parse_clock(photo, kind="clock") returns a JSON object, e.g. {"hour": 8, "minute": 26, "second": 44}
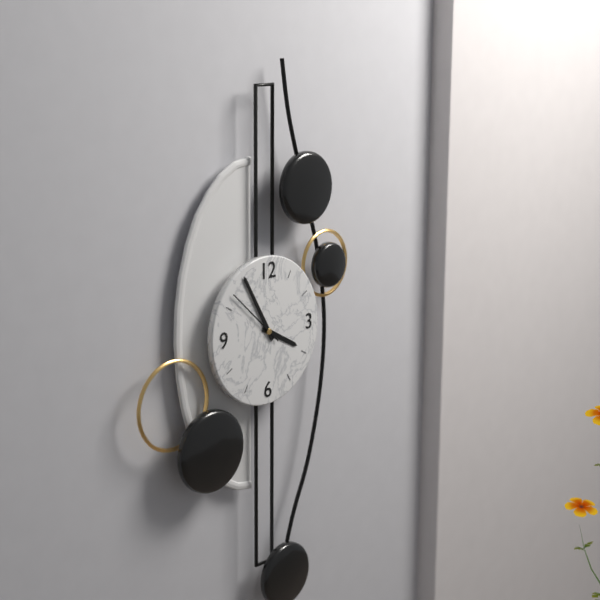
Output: {"hour": 3, "minute": 55, "second": 52}
